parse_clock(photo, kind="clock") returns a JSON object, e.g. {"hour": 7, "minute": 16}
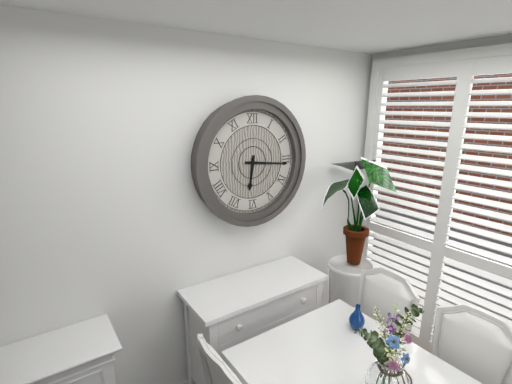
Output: {"hour": 6, "minute": 16}
